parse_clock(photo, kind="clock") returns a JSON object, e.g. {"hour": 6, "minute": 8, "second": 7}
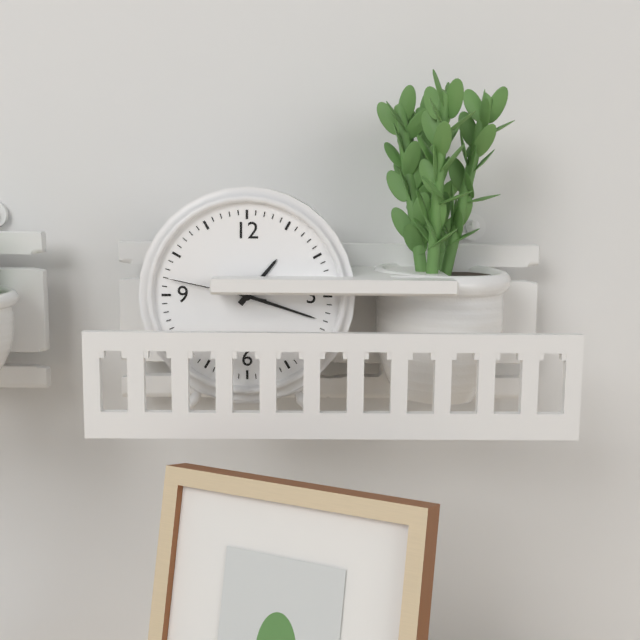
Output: {"hour": 1, "minute": 18, "second": 47}
